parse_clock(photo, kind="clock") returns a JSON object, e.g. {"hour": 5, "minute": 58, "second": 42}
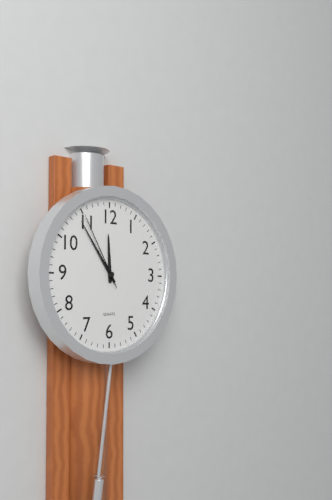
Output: {"hour": 11, "minute": 54, "second": 55}
